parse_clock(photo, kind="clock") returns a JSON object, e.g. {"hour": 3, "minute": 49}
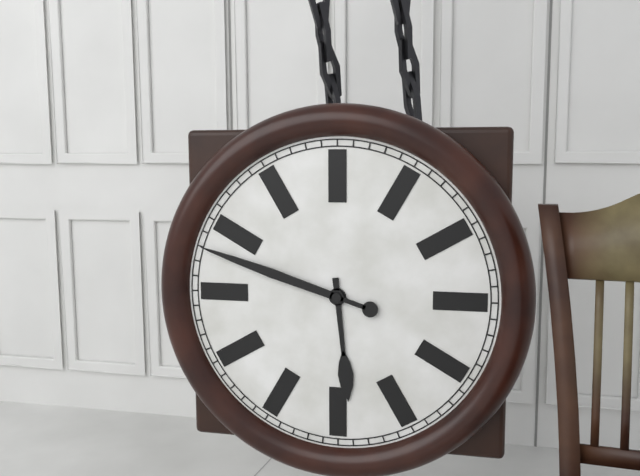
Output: {"hour": 5, "minute": 48}
